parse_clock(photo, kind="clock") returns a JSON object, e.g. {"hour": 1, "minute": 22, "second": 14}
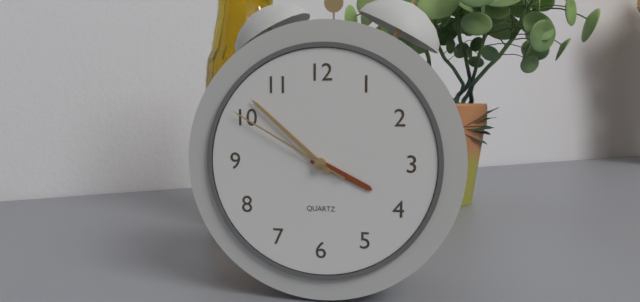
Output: {"hour": 3, "minute": 52, "second": 50}
